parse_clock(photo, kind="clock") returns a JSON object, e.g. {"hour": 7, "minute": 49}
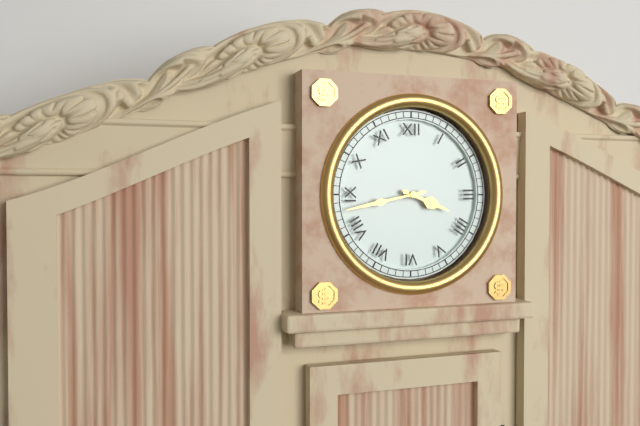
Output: {"hour": 3, "minute": 43}
